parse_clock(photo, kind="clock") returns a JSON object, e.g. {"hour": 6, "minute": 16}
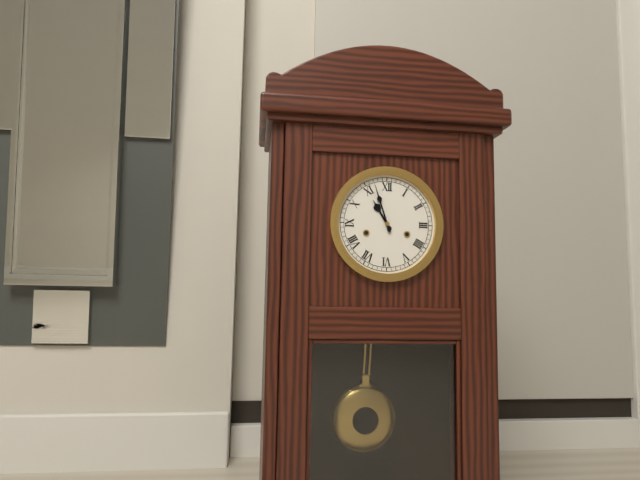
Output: {"hour": 10, "minute": 57}
